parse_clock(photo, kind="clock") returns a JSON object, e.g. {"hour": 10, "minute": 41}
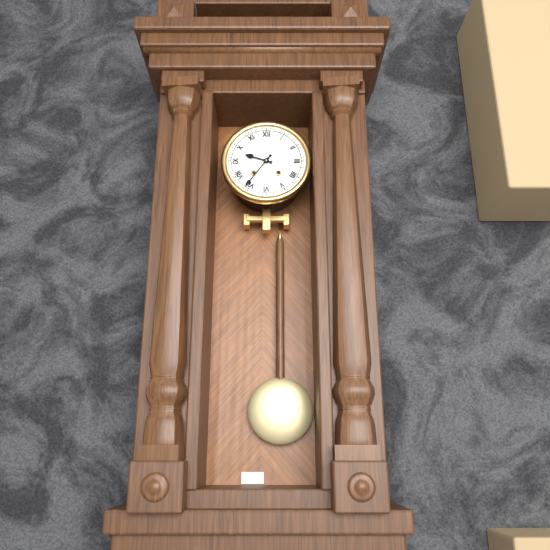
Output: {"hour": 9, "minute": 36}
